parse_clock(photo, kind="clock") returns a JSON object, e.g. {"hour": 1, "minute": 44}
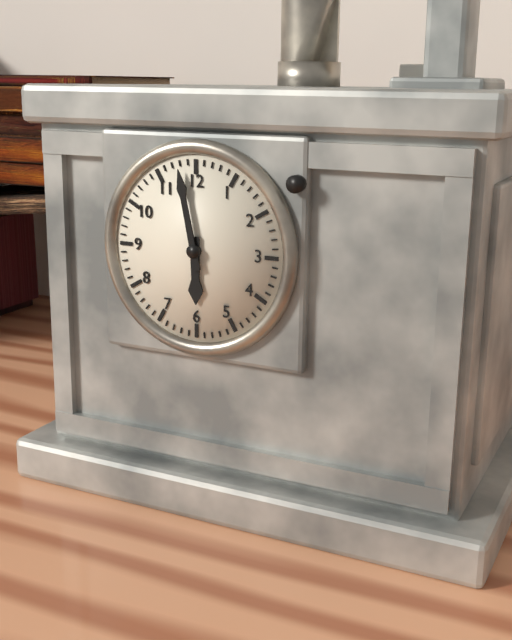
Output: {"hour": 5, "minute": 58}
